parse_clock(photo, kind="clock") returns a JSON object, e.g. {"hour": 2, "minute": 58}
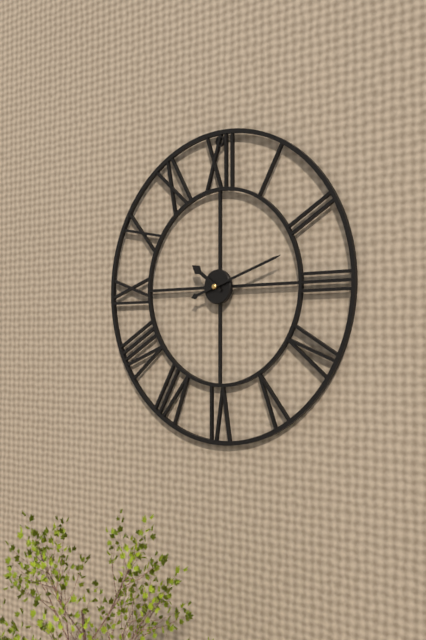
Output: {"hour": 10, "minute": 12}
